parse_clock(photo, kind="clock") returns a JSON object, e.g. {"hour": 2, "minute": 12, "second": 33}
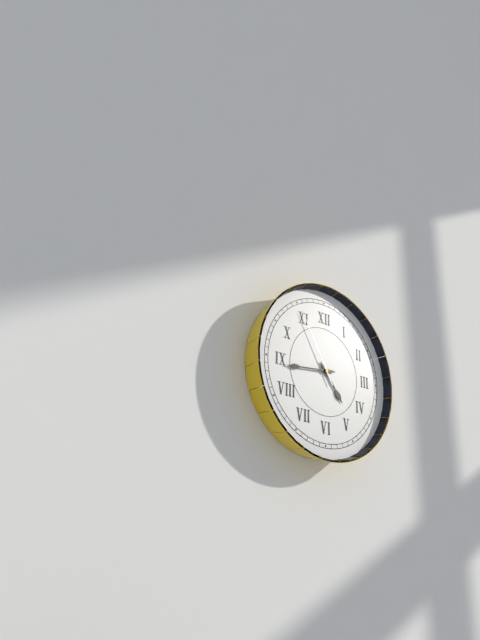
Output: {"hour": 4, "minute": 44, "second": 55}
